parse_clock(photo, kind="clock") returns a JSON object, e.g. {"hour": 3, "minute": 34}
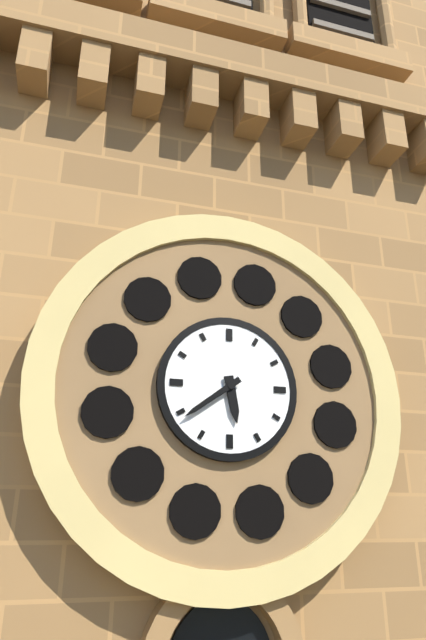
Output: {"hour": 5, "minute": 39}
